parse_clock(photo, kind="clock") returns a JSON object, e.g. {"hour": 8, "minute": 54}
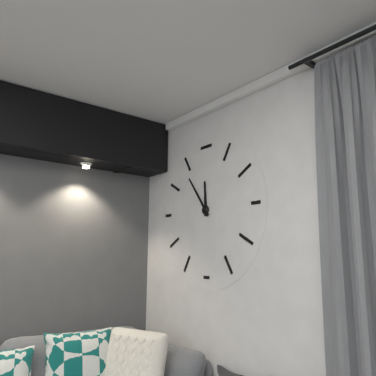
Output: {"hour": 11, "minute": 54}
